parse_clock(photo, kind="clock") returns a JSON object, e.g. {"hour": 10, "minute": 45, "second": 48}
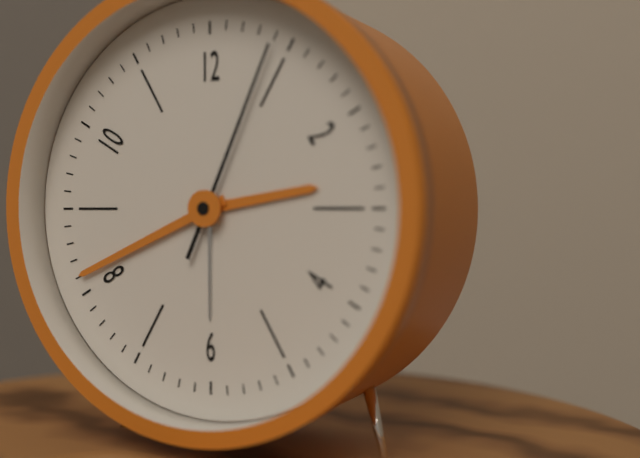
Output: {"hour": 2, "minute": 41, "second": 4}
